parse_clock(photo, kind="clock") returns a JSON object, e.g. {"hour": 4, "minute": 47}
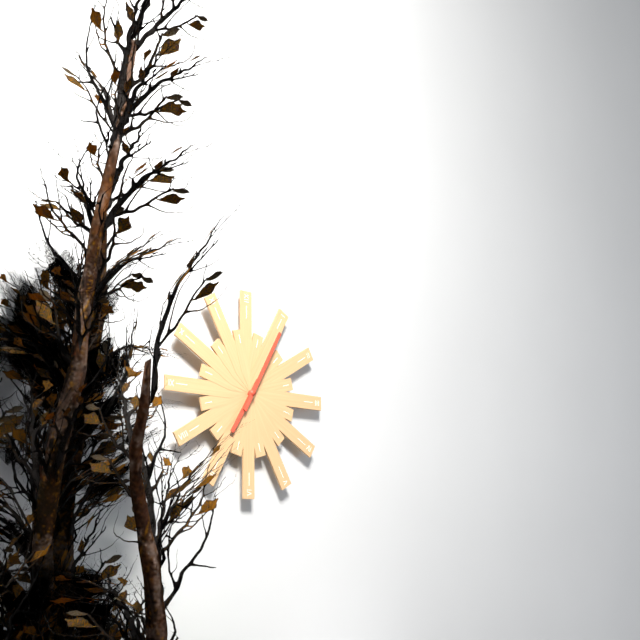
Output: {"hour": 7, "minute": 5}
